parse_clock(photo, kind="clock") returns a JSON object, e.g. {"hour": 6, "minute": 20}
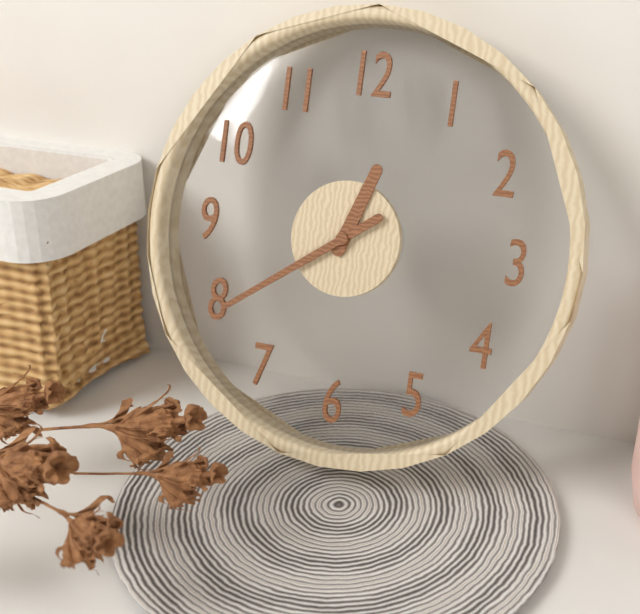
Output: {"hour": 12, "minute": 39}
